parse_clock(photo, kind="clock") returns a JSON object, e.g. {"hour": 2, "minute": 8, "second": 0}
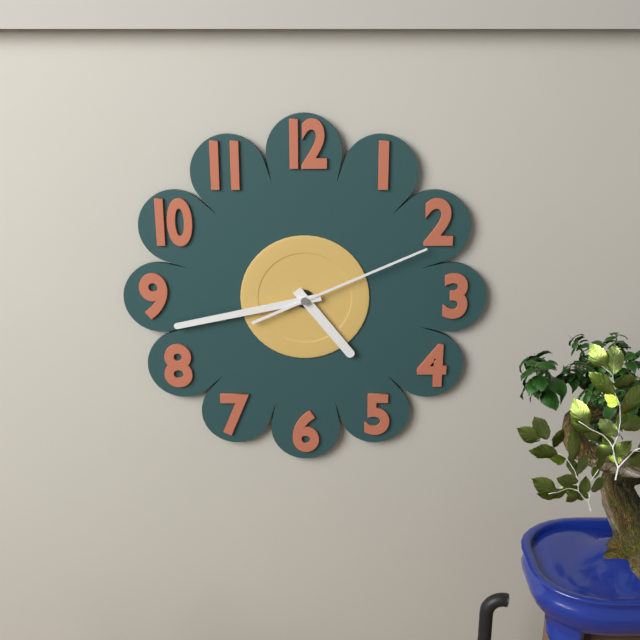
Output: {"hour": 4, "minute": 43, "second": 11}
